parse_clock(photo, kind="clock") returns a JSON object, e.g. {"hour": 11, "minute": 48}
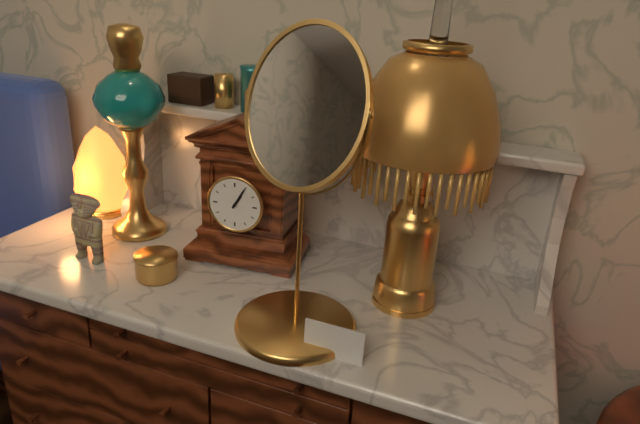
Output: {"hour": 1, "minute": 5}
